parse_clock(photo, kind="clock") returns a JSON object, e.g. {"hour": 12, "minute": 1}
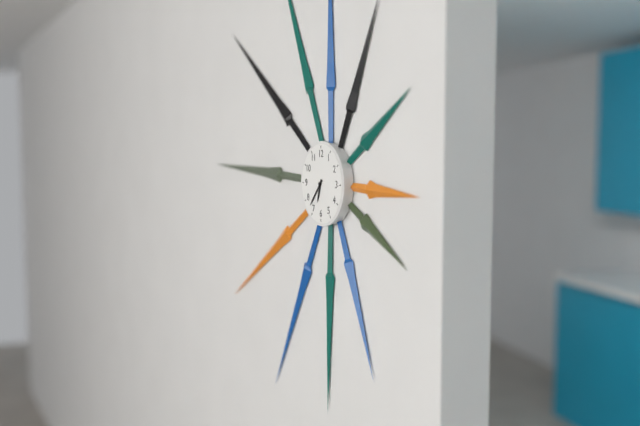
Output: {"hour": 6, "minute": 37}
